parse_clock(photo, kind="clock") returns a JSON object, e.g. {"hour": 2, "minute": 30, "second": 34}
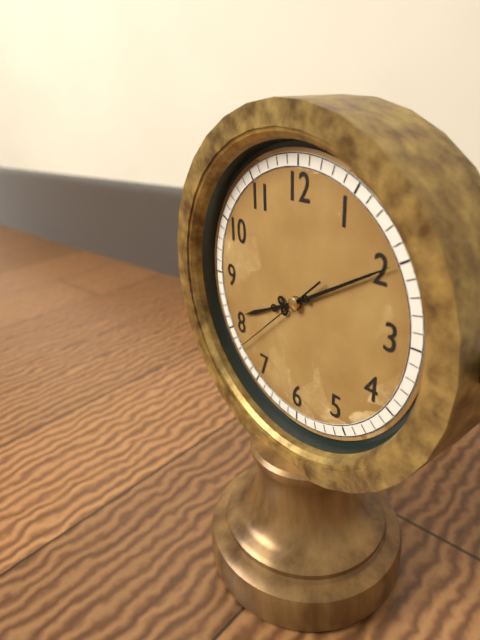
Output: {"hour": 8, "minute": 10, "second": 38}
